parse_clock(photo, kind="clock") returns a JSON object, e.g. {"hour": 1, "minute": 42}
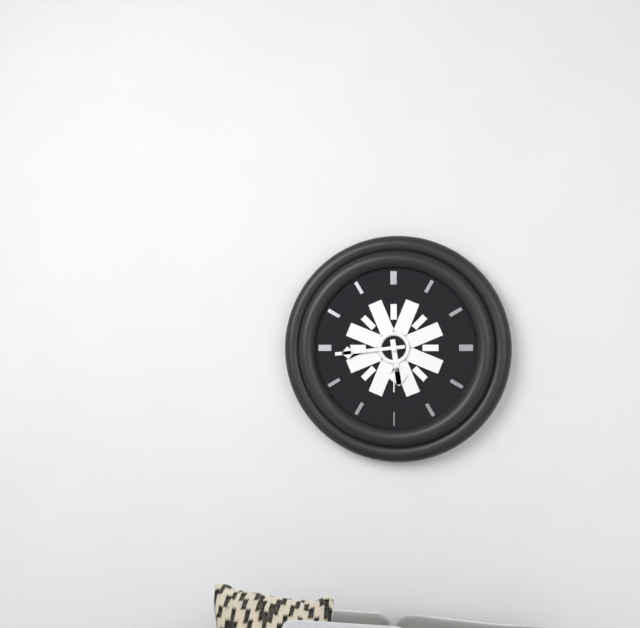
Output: {"hour": 5, "minute": 44}
